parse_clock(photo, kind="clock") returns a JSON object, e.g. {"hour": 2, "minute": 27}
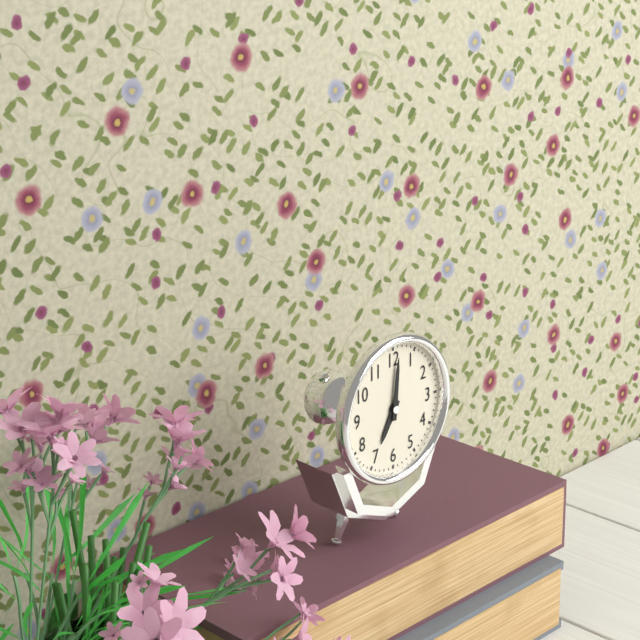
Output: {"hour": 7, "minute": 1}
